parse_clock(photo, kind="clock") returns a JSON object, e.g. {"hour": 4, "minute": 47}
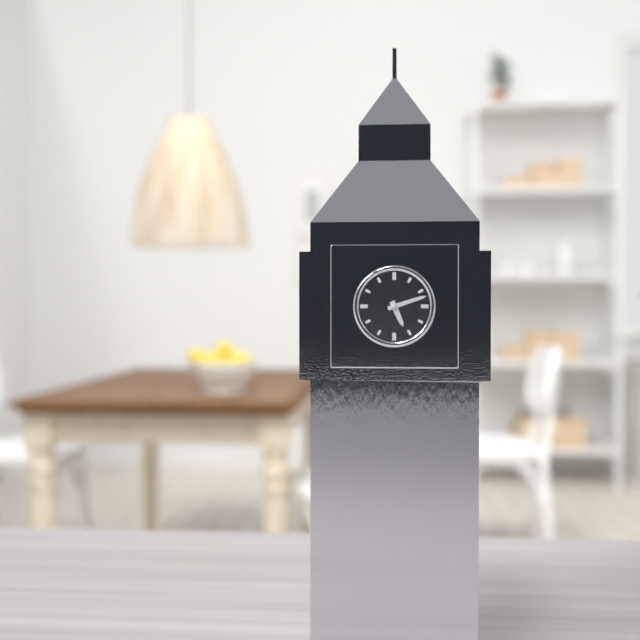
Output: {"hour": 5, "minute": 12}
